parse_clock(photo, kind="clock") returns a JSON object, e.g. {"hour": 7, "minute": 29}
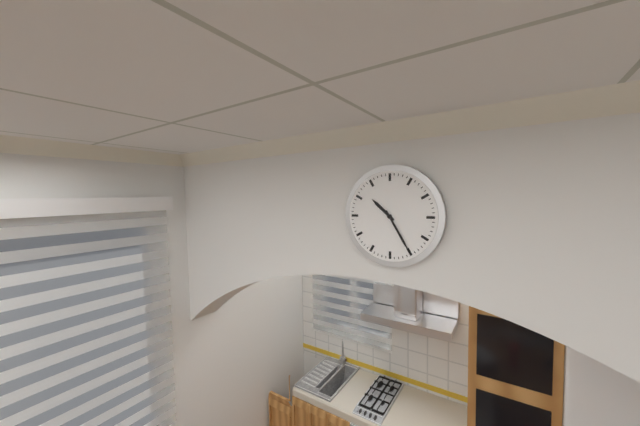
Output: {"hour": 10, "minute": 25}
